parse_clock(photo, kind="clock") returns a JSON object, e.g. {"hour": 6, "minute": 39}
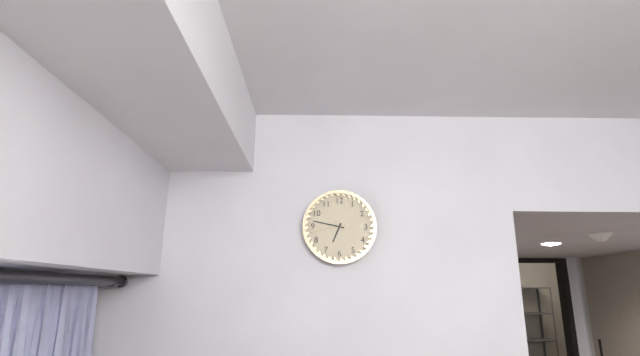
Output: {"hour": 6, "minute": 47}
